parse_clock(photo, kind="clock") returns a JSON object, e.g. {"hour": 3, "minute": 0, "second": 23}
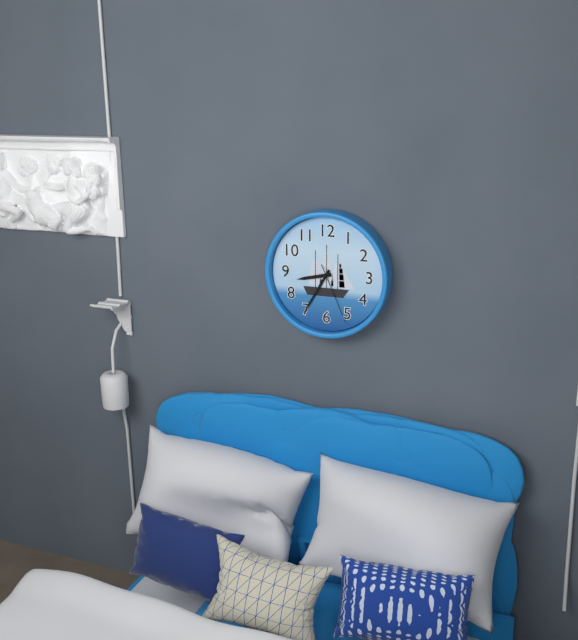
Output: {"hour": 8, "minute": 35, "second": 26}
